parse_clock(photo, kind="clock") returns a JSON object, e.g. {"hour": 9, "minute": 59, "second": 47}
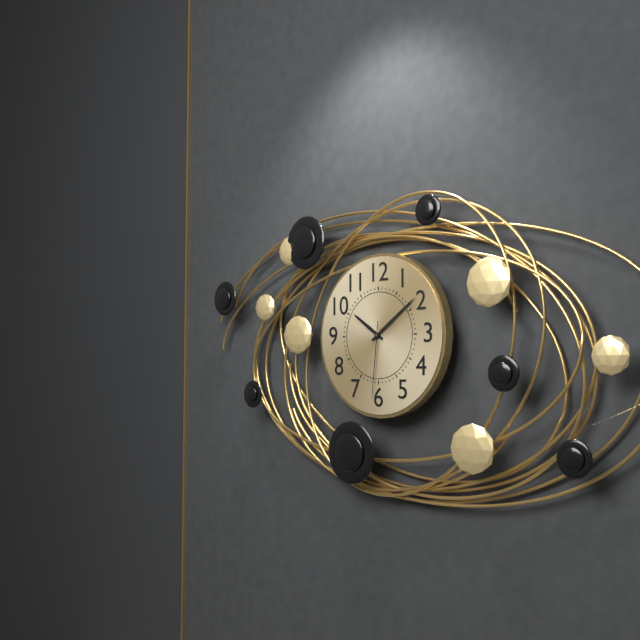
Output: {"hour": 10, "minute": 9, "second": 31}
